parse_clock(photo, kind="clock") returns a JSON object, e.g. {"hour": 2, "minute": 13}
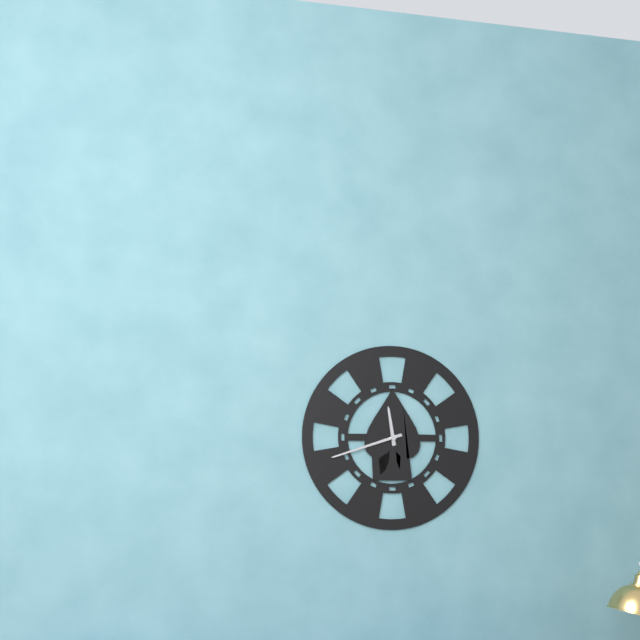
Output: {"hour": 11, "minute": 42}
